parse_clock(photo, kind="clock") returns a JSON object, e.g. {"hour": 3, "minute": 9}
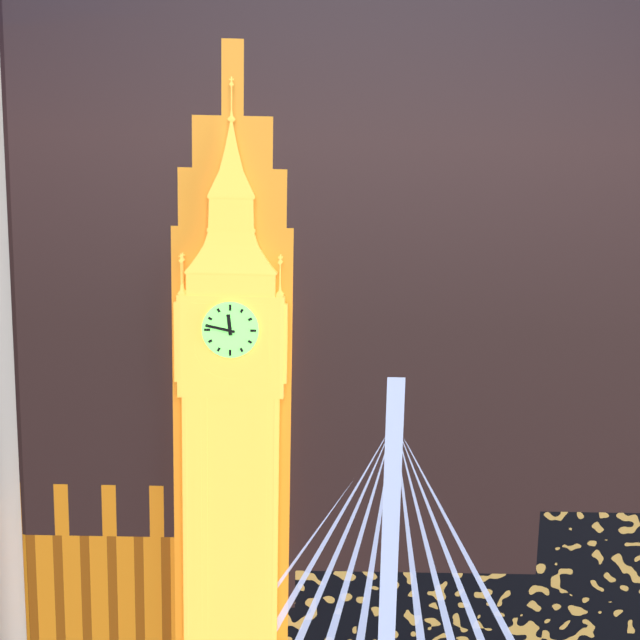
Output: {"hour": 11, "minute": 47}
